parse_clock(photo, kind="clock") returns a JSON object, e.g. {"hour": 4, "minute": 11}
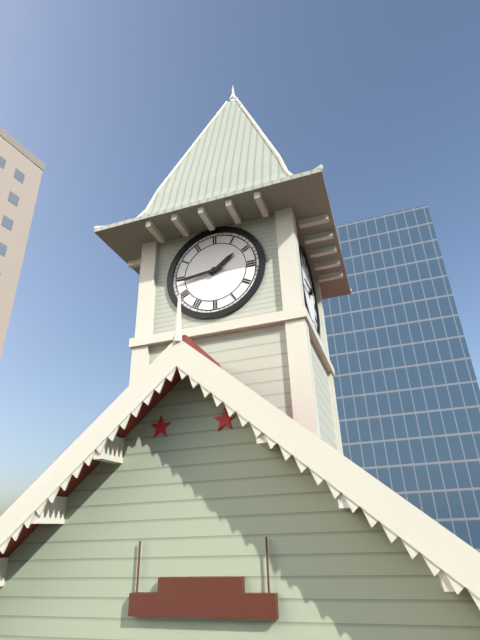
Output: {"hour": 1, "minute": 44}
